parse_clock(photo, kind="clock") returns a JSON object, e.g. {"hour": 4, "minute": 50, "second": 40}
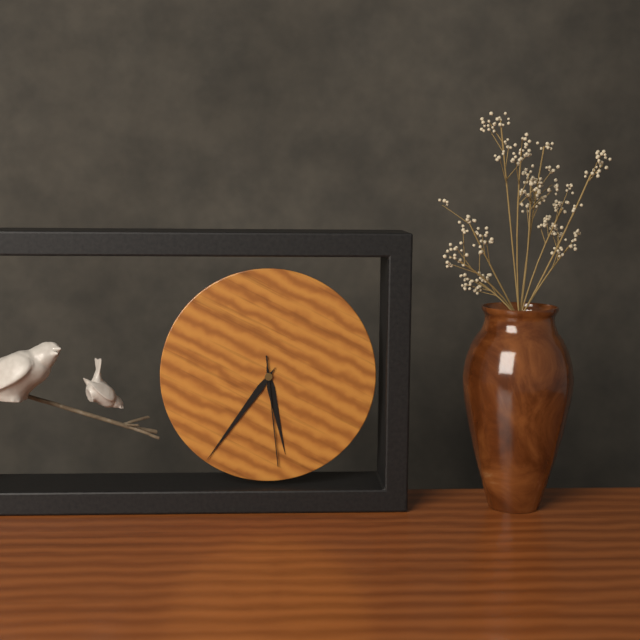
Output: {"hour": 5, "minute": 36, "second": 29}
